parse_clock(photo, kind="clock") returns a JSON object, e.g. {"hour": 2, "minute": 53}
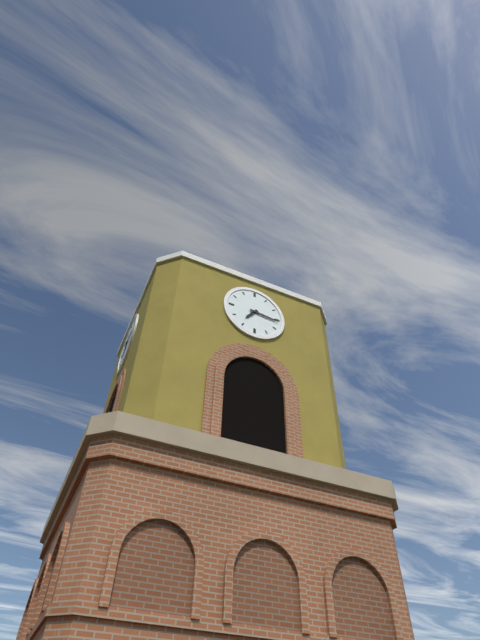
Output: {"hour": 7, "minute": 16}
